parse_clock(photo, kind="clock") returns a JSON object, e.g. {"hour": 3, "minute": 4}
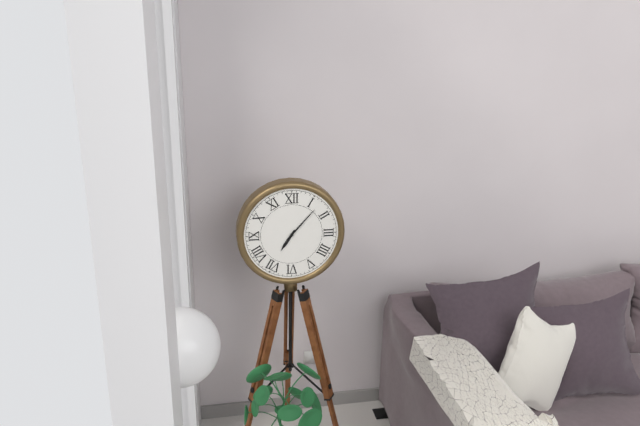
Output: {"hour": 7, "minute": 7}
